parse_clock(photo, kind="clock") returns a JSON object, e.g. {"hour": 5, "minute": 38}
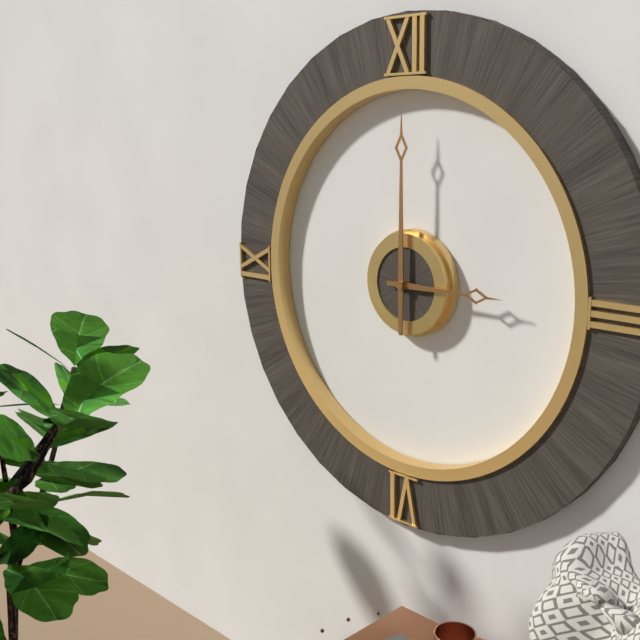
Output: {"hour": 3, "minute": 0}
